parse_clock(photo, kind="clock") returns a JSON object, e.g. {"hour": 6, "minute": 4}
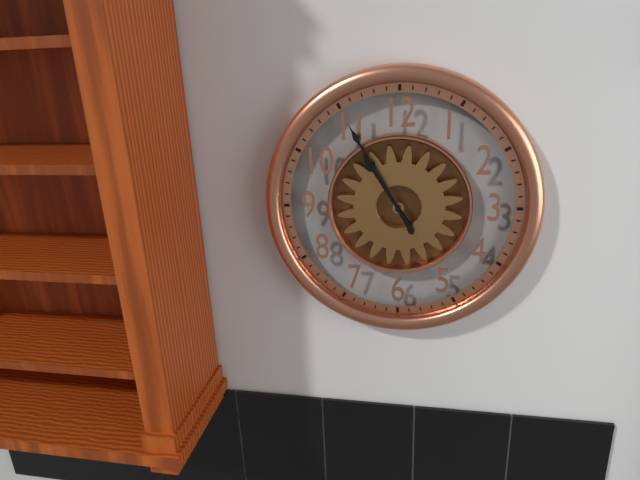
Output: {"hour": 10, "minute": 55}
